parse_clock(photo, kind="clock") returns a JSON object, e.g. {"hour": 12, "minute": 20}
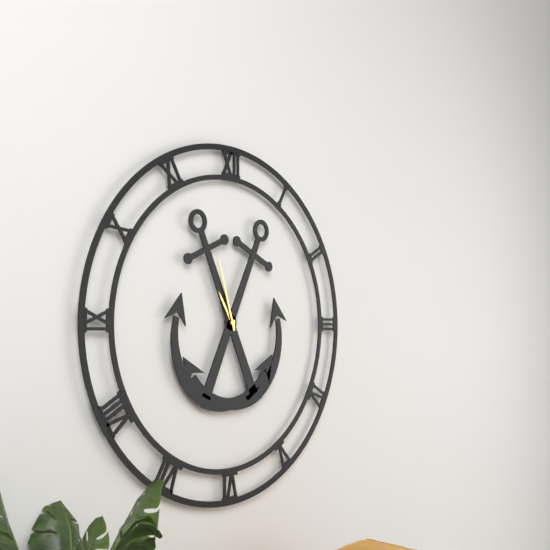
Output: {"hour": 10, "minute": 57}
